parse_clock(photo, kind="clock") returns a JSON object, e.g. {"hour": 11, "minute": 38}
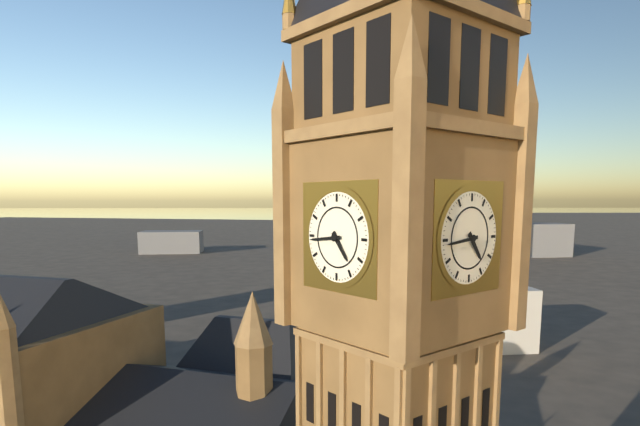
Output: {"hour": 4, "minute": 44}
